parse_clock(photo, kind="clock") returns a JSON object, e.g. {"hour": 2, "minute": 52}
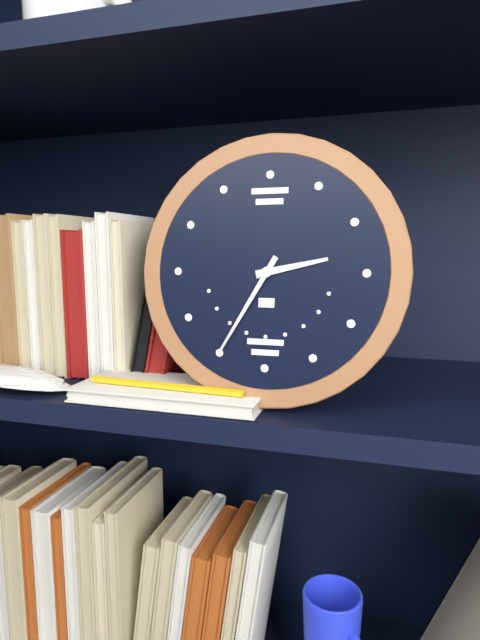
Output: {"hour": 2, "minute": 35}
